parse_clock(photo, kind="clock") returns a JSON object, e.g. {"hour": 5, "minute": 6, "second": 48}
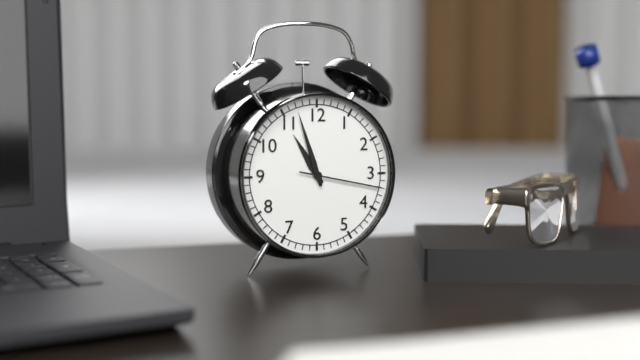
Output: {"hour": 10, "minute": 57, "second": 17}
